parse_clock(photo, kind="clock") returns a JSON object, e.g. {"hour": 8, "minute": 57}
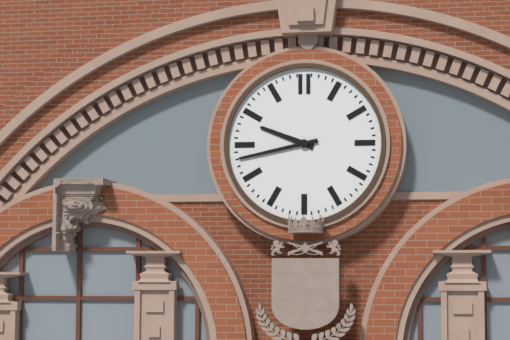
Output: {"hour": 9, "minute": 43}
